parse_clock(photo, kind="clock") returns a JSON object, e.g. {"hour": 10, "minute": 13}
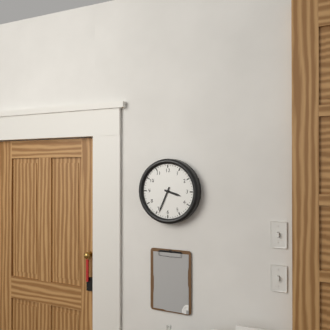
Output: {"hour": 3, "minute": 34}
